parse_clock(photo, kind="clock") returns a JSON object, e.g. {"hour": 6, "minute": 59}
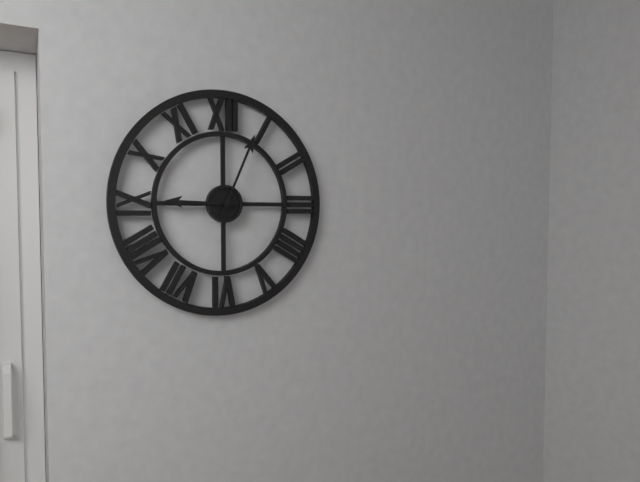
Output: {"hour": 9, "minute": 4}
